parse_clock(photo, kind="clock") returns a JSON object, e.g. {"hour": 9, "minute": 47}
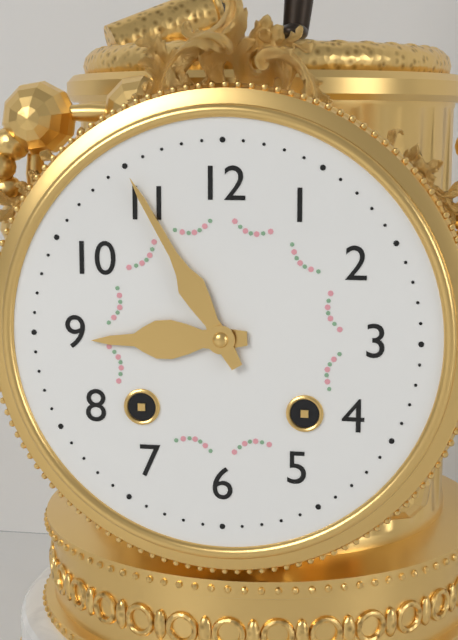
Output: {"hour": 8, "minute": 55}
